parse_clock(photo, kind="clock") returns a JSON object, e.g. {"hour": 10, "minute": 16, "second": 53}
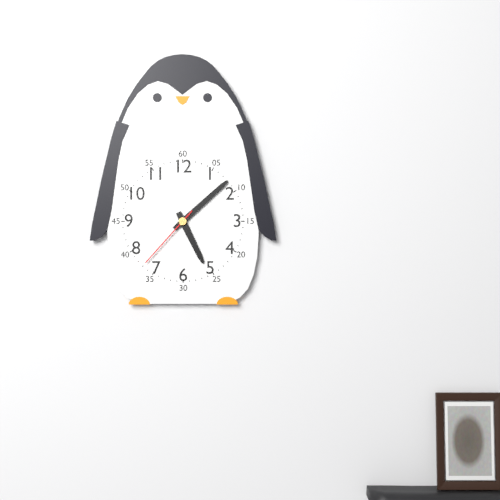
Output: {"hour": 5, "minute": 8, "second": 37}
